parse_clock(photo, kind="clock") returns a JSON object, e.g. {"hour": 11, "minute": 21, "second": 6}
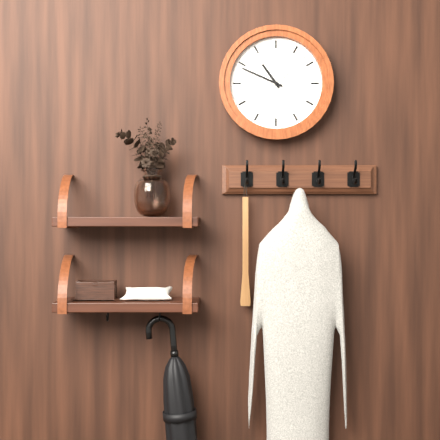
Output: {"hour": 10, "minute": 49, "second": 8}
